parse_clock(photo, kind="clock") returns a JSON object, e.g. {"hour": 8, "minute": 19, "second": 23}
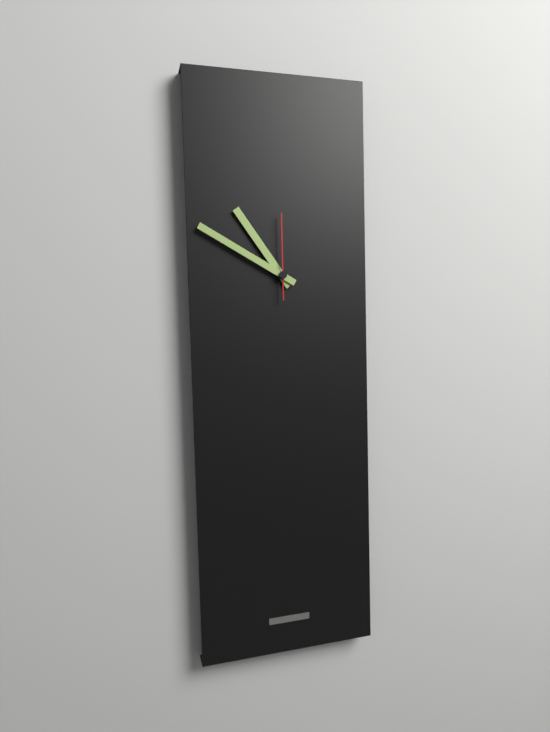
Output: {"hour": 10, "minute": 50, "second": 0}
